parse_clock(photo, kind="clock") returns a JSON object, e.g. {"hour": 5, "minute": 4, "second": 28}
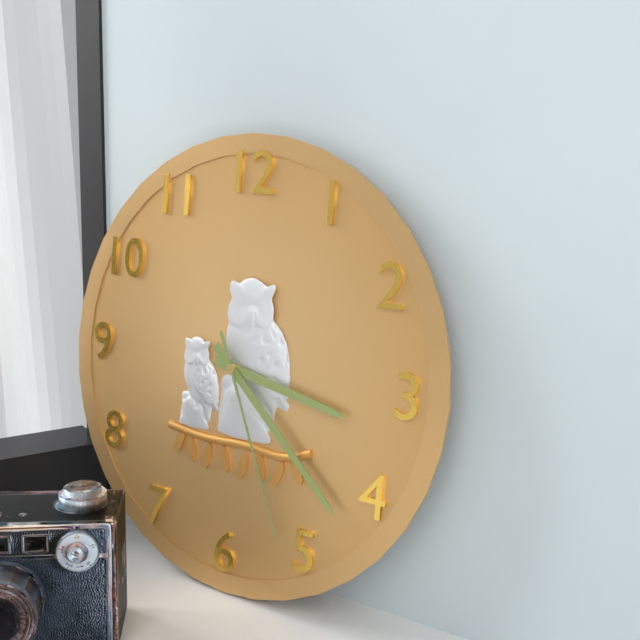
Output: {"hour": 3, "minute": 22, "second": 26}
